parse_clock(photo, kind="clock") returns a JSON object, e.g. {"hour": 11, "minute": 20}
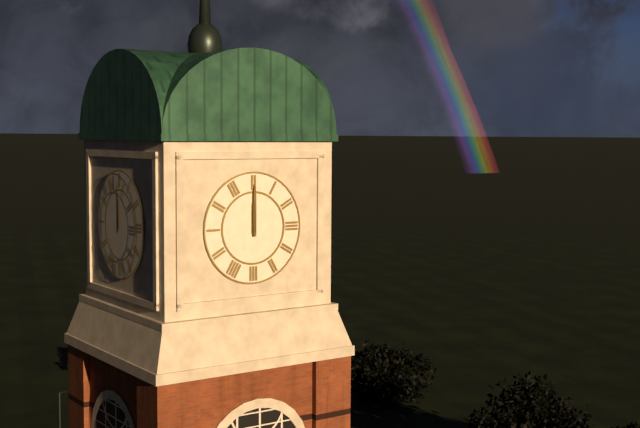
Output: {"hour": 12, "minute": 0}
